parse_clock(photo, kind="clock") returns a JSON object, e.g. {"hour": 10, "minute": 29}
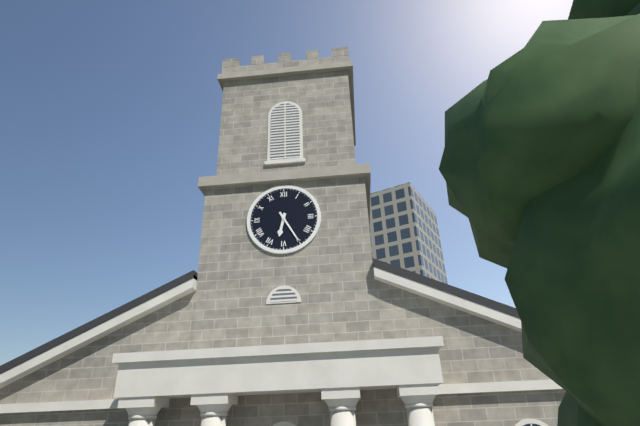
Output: {"hour": 6, "minute": 25}
